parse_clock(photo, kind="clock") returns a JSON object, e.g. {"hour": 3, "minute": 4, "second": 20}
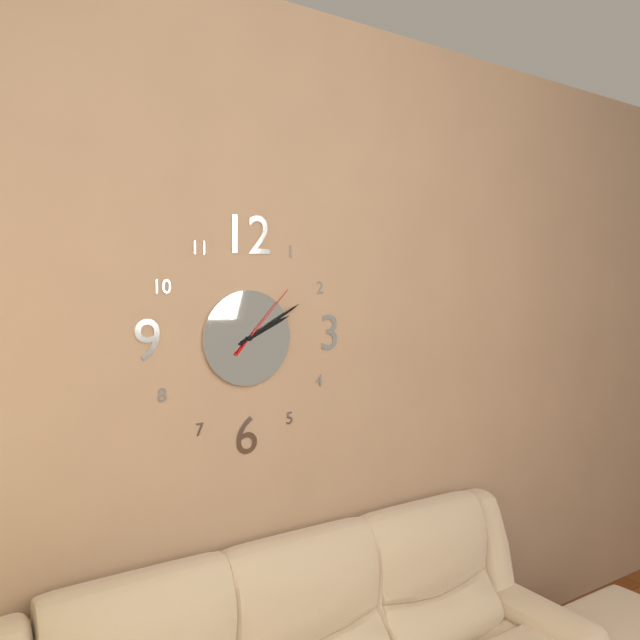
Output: {"hour": 2, "minute": 10, "second": 7}
